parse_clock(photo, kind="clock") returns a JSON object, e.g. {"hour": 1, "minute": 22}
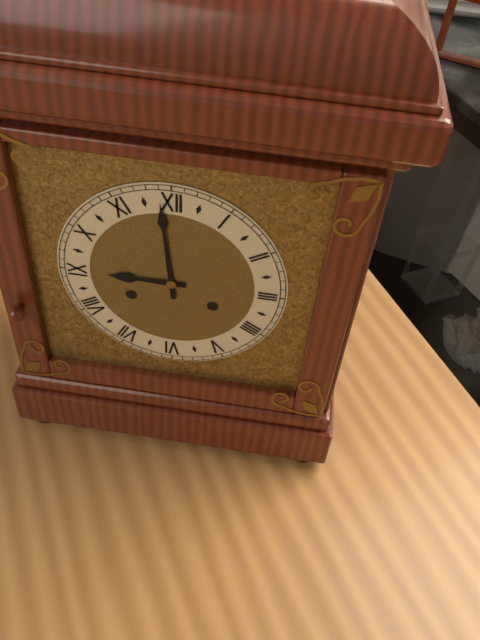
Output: {"hour": 8, "minute": 59}
